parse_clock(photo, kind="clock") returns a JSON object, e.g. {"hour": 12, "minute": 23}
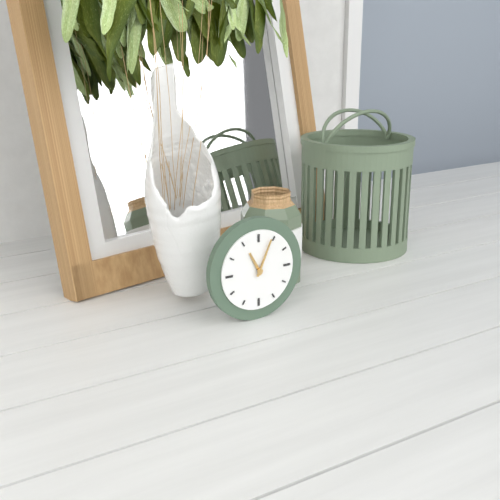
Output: {"hour": 11, "minute": 4}
